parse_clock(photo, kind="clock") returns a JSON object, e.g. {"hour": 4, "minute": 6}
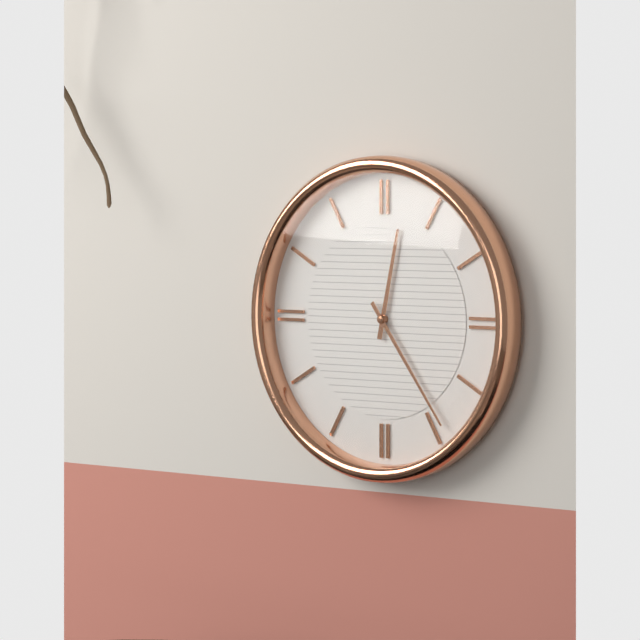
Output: {"hour": 12, "minute": 24}
